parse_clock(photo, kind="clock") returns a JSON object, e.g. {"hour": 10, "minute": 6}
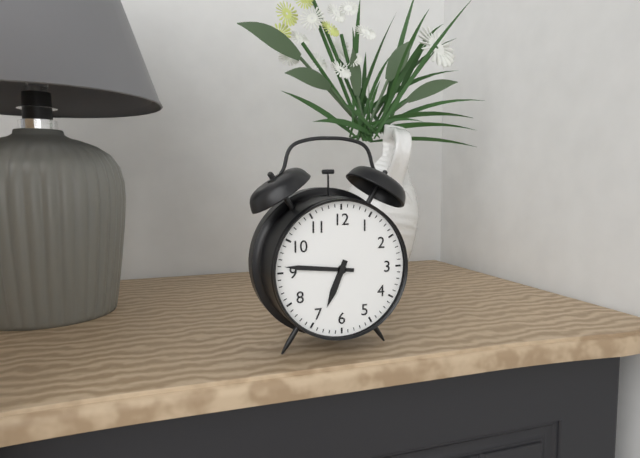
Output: {"hour": 6, "minute": 46}
